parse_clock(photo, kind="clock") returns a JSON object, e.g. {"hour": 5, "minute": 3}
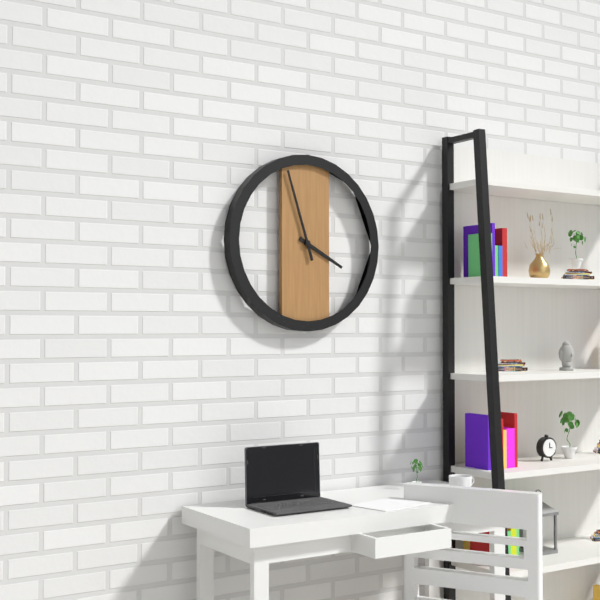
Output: {"hour": 3, "minute": 57}
